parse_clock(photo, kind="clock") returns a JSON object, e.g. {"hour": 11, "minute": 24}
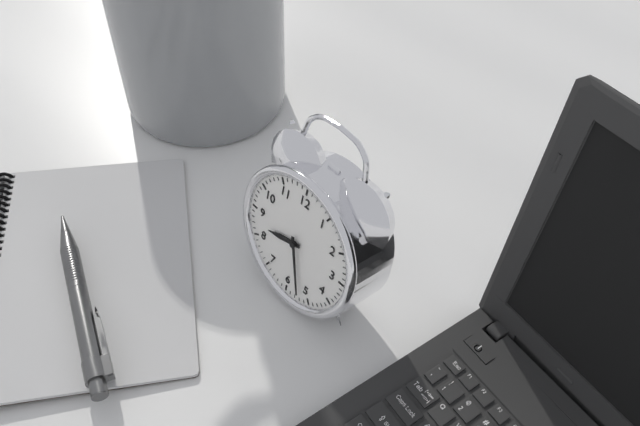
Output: {"hour": 8, "minute": 27}
